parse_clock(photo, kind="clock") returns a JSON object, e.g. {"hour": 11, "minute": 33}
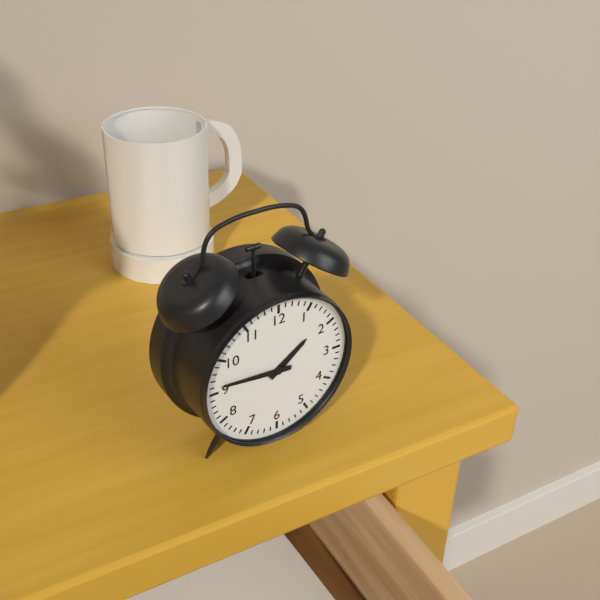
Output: {"hour": 1, "minute": 46}
